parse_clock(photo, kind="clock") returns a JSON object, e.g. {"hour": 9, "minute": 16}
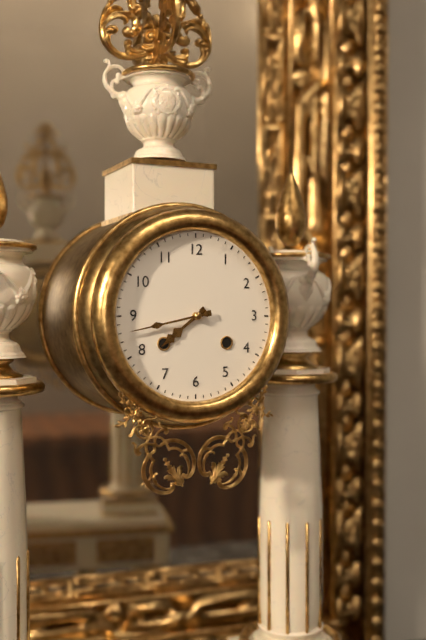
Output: {"hour": 7, "minute": 43}
